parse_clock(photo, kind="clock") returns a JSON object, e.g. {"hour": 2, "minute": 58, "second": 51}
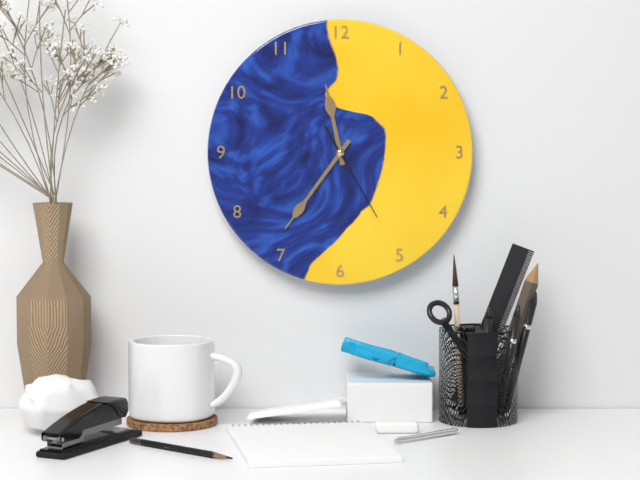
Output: {"hour": 11, "minute": 36, "second": 25}
